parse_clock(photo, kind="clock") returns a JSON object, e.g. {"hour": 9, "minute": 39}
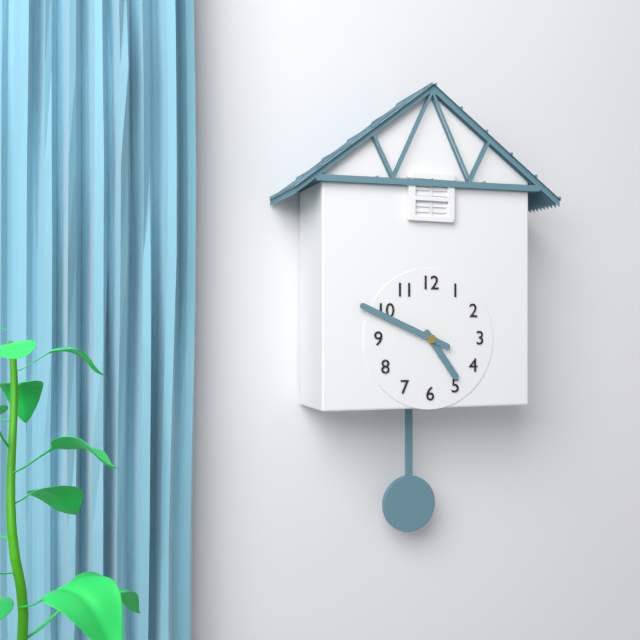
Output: {"hour": 4, "minute": 49}
